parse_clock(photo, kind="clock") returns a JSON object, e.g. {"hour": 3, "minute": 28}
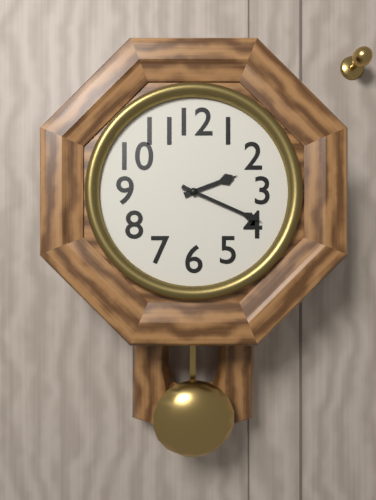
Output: {"hour": 2, "minute": 19}
